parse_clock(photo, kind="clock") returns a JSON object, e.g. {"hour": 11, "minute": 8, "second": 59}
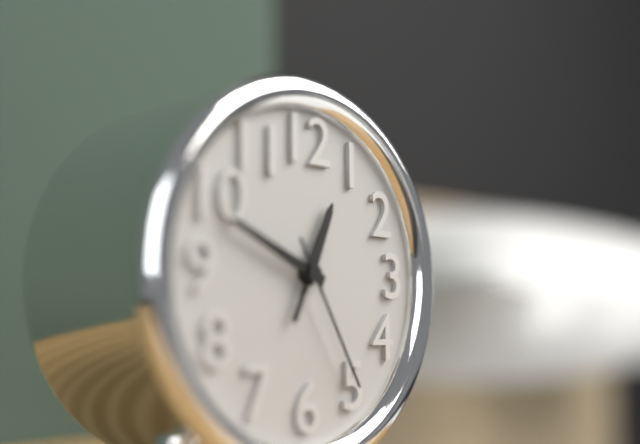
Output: {"hour": 12, "minute": 49, "second": 25}
